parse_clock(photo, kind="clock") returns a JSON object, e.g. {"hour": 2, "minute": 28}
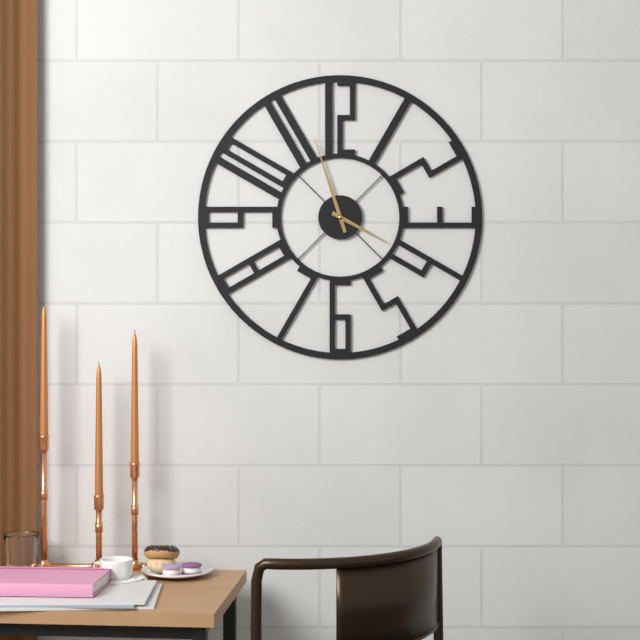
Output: {"hour": 3, "minute": 57}
